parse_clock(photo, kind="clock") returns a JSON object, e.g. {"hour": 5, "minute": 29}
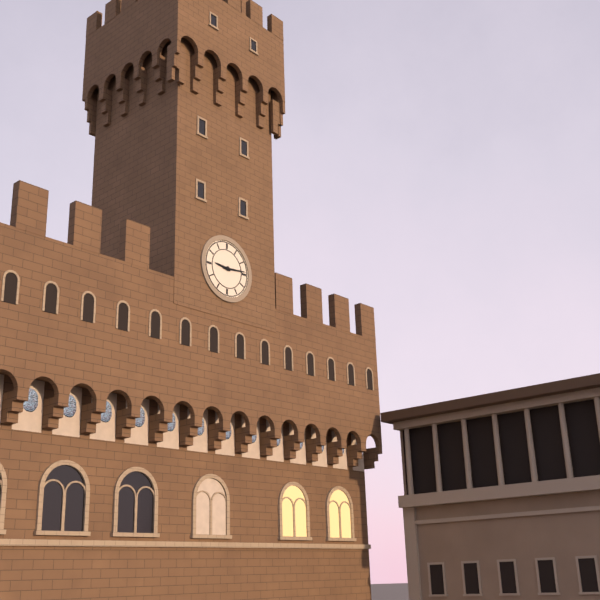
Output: {"hour": 9, "minute": 14}
